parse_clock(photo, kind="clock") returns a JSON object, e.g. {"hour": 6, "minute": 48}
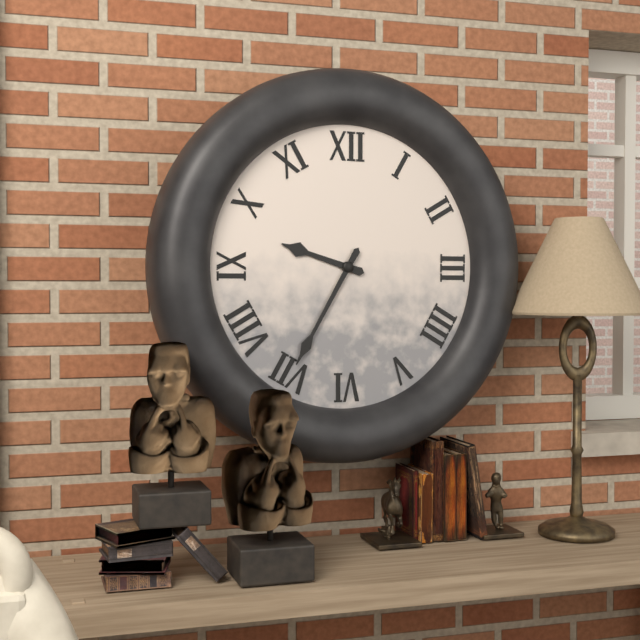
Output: {"hour": 9, "minute": 35}
